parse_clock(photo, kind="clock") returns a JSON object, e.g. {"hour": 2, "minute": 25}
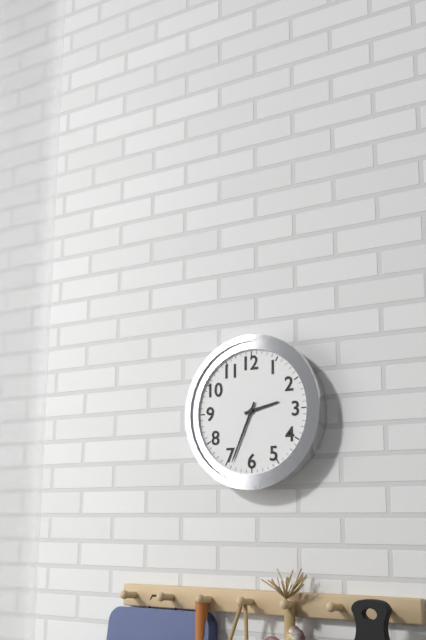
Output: {"hour": 2, "minute": 34}
